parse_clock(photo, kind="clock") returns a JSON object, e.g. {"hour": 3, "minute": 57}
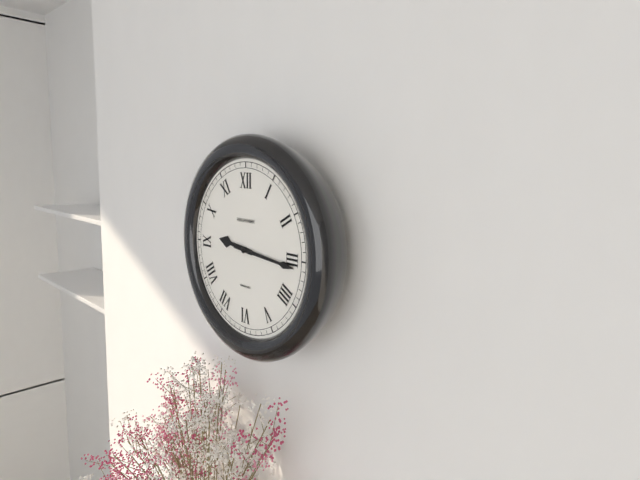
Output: {"hour": 9, "minute": 16}
